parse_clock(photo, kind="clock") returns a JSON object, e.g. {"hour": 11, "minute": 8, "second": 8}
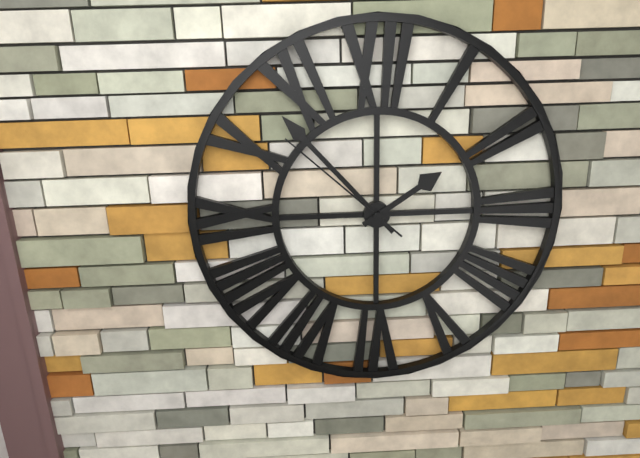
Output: {"hour": 1, "minute": 53, "second": 52}
